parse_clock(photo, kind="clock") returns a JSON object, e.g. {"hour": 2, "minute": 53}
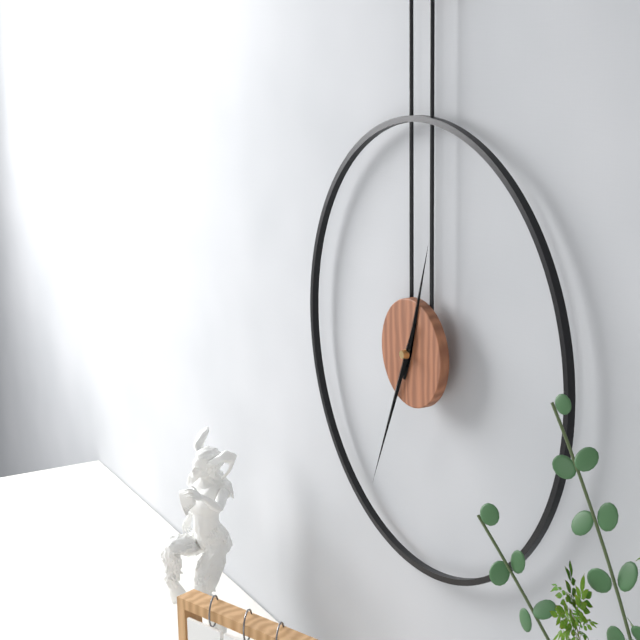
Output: {"hour": 12, "minute": 34}
